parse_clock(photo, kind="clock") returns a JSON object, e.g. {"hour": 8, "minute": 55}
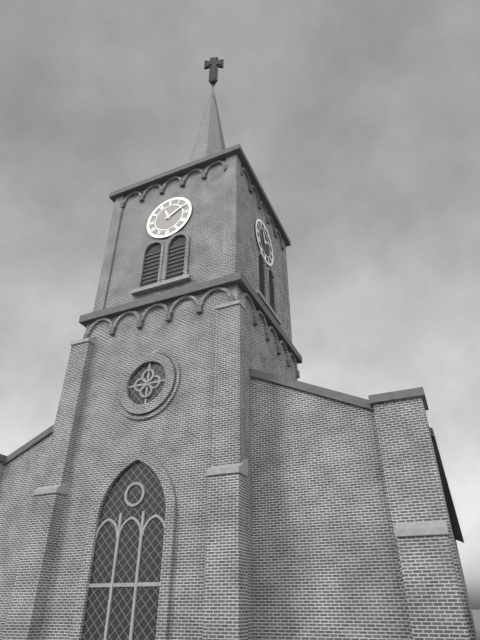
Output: {"hour": 11, "minute": 10}
